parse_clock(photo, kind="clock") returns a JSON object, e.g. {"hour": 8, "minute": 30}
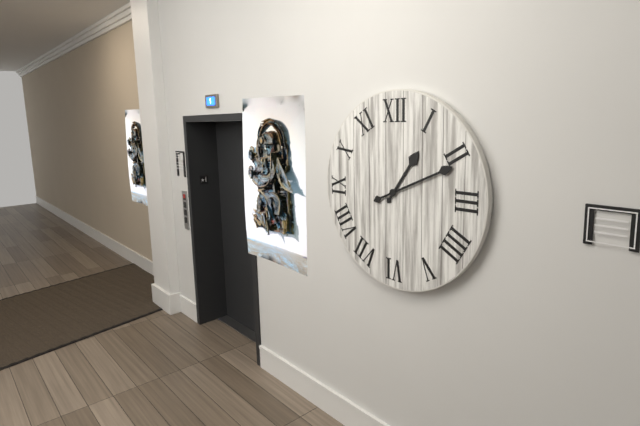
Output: {"hour": 1, "minute": 11}
